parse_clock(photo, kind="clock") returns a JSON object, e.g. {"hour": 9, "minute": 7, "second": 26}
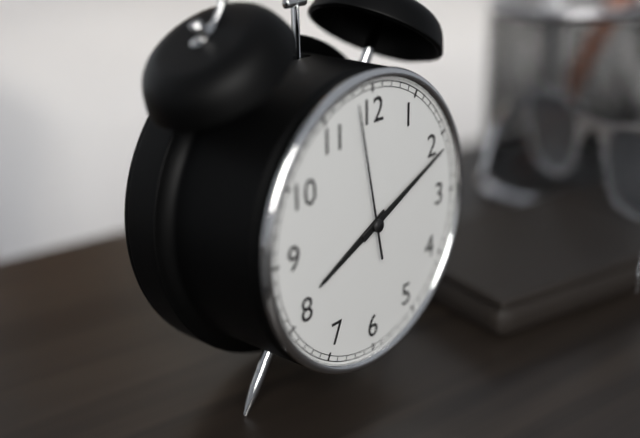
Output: {"hour": 8, "minute": 11, "second": 58}
